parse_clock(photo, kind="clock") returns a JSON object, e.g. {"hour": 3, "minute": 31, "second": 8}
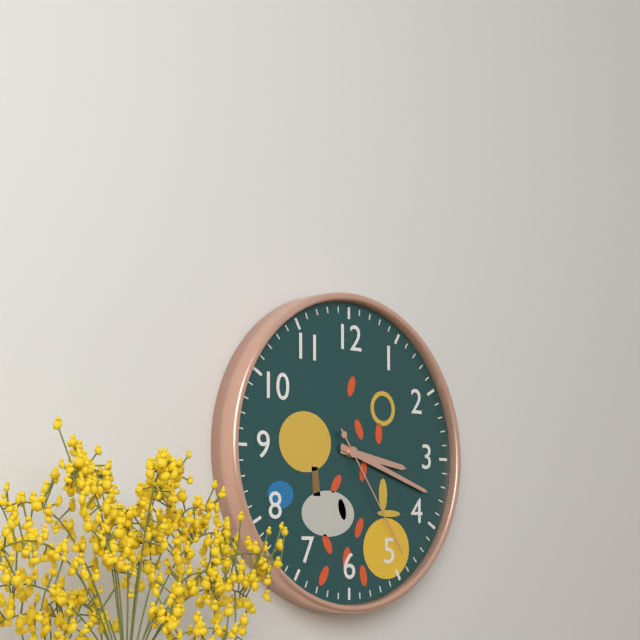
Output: {"hour": 3, "minute": 18, "second": 24}
